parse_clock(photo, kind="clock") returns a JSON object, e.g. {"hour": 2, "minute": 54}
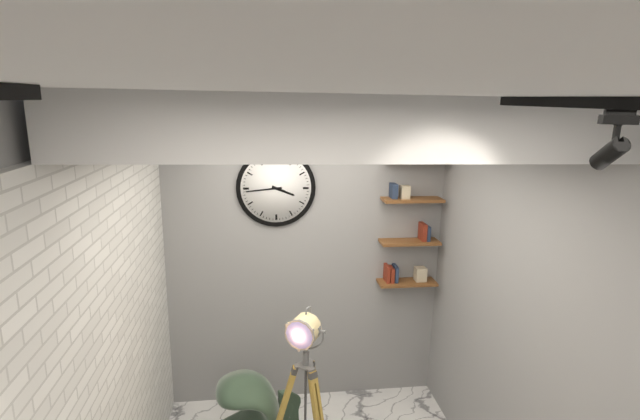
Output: {"hour": 3, "minute": 44}
